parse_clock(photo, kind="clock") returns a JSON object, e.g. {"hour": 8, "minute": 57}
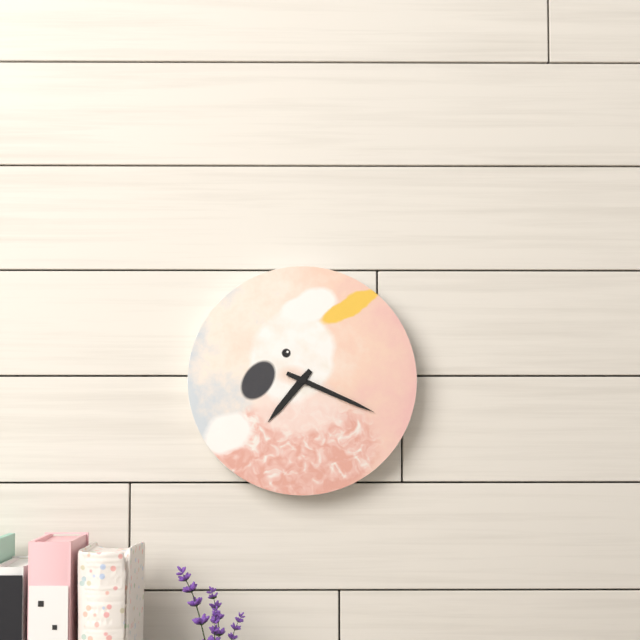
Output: {"hour": 7, "minute": 19}
